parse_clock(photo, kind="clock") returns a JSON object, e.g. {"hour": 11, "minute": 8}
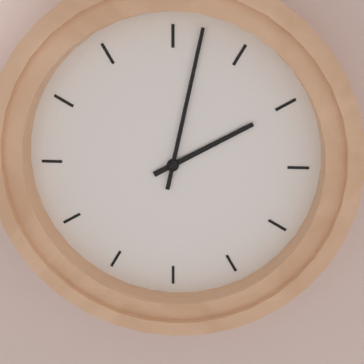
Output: {"hour": 2, "minute": 2}
